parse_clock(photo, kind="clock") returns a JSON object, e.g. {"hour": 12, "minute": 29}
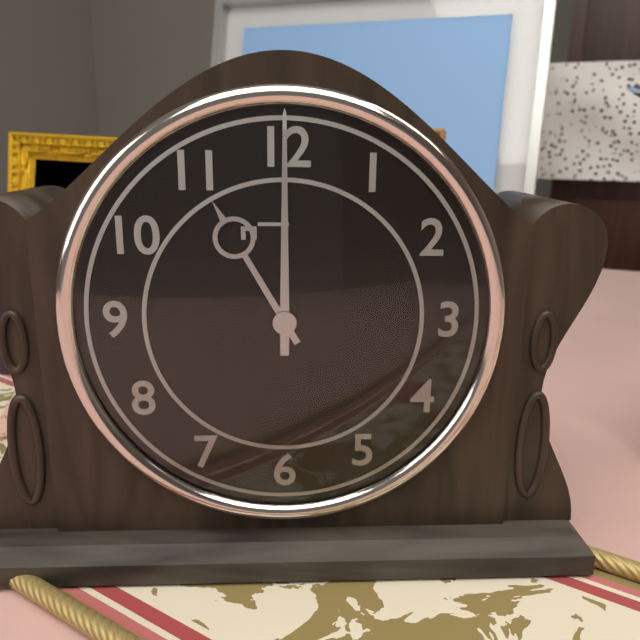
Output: {"hour": 11, "minute": 0}
